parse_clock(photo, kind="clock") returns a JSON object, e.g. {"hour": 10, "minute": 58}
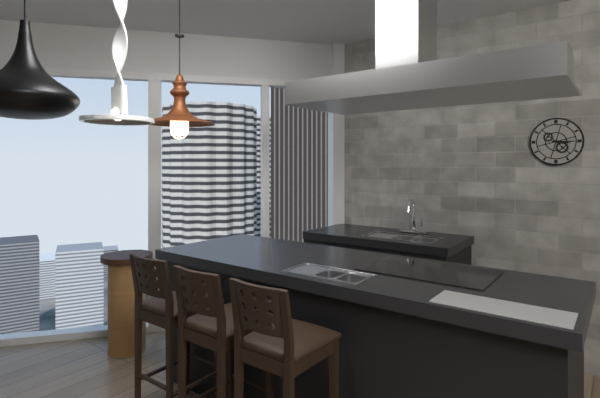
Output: {"hour": 3, "minute": 15}
